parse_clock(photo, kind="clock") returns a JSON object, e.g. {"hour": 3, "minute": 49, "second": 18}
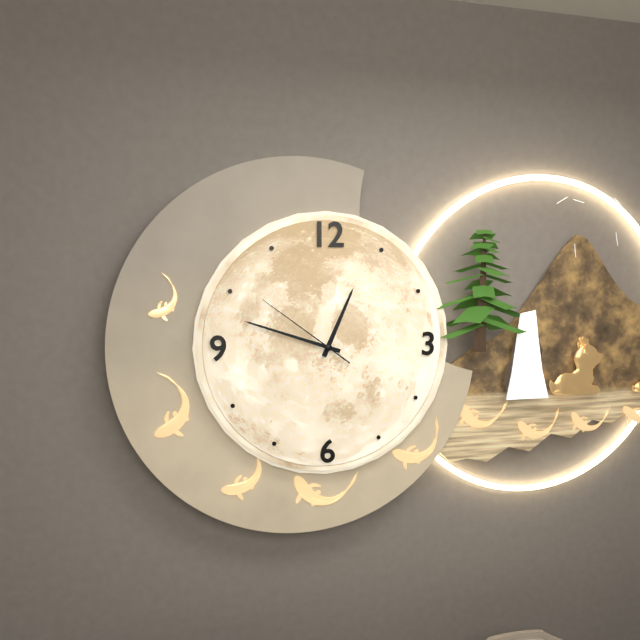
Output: {"hour": 12, "minute": 48, "second": 51}
